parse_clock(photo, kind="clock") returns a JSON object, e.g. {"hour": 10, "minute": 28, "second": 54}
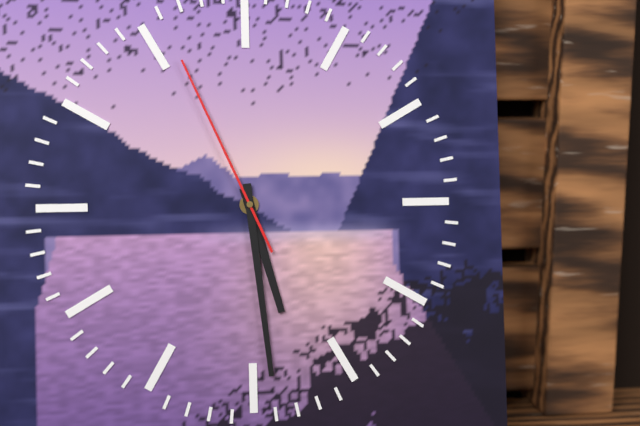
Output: {"hour": 5, "minute": 29, "second": 56}
